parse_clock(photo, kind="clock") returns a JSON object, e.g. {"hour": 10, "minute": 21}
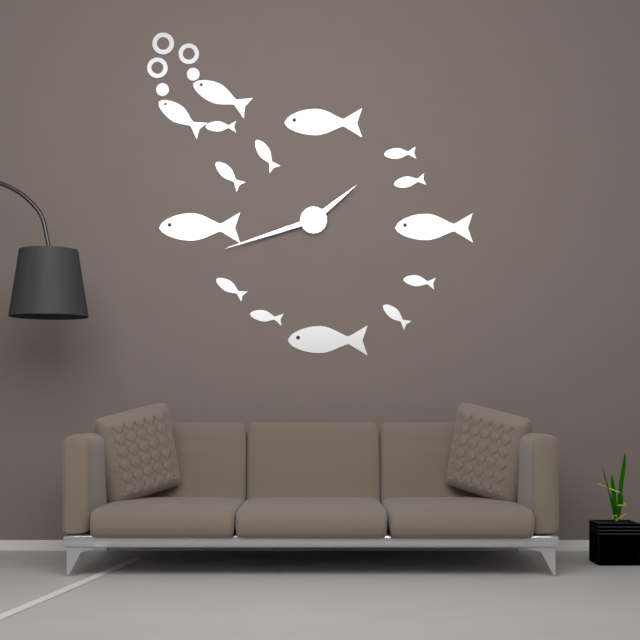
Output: {"hour": 1, "minute": 42}
